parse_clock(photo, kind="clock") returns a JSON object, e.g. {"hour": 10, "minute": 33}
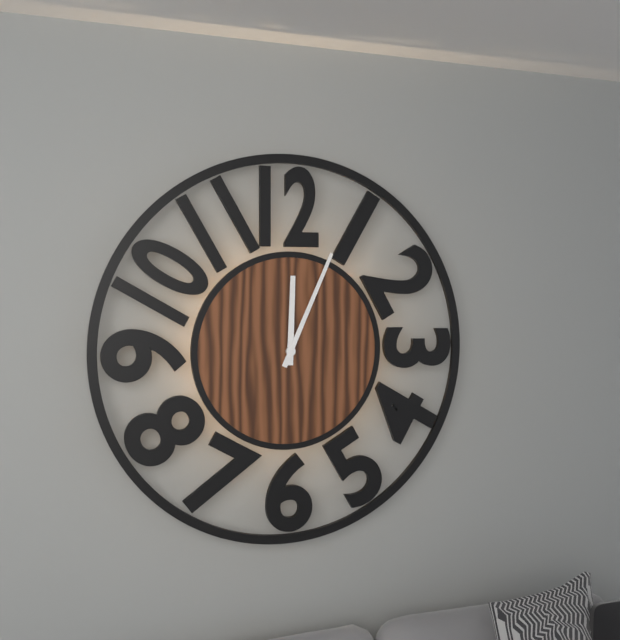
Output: {"hour": 12, "minute": 4}
